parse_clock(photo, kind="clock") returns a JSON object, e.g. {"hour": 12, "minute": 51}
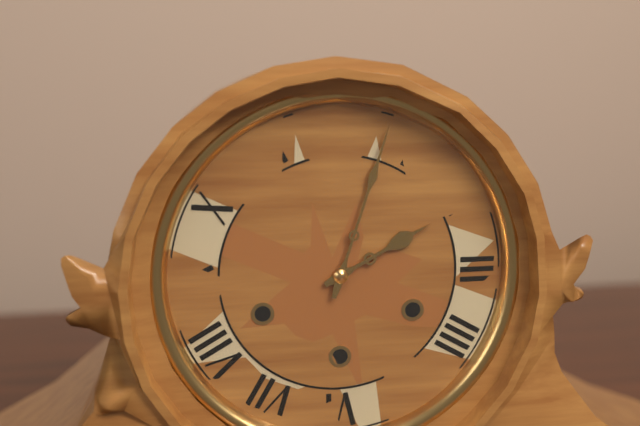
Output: {"hour": 2, "minute": 3}
